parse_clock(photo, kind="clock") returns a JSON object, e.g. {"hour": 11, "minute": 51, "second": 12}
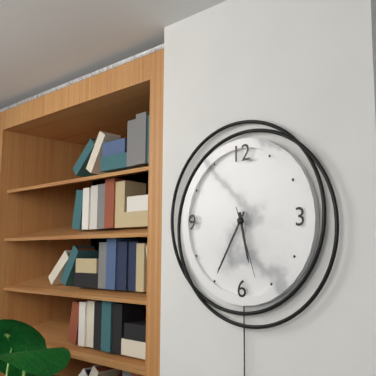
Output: {"hour": 5, "minute": 35, "second": 27}
